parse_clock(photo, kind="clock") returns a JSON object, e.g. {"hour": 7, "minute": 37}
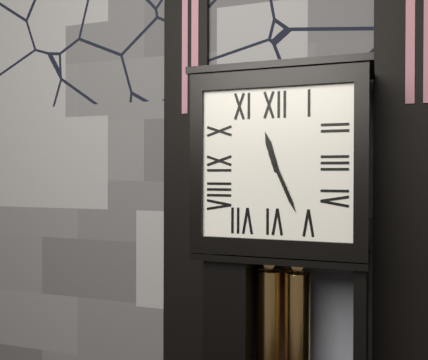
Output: {"hour": 11, "minute": 26}
